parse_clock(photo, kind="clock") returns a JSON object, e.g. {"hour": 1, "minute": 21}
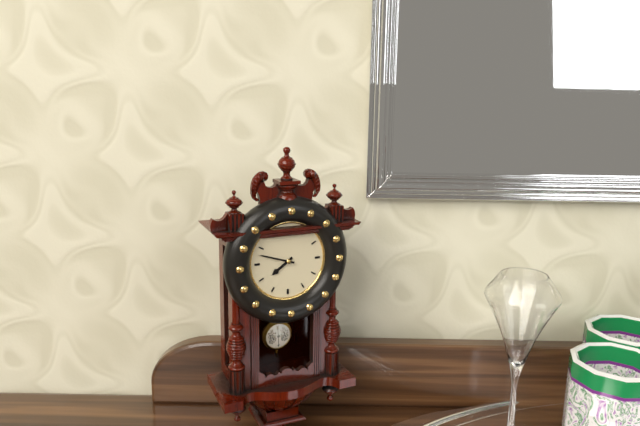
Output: {"hour": 7, "minute": 48}
